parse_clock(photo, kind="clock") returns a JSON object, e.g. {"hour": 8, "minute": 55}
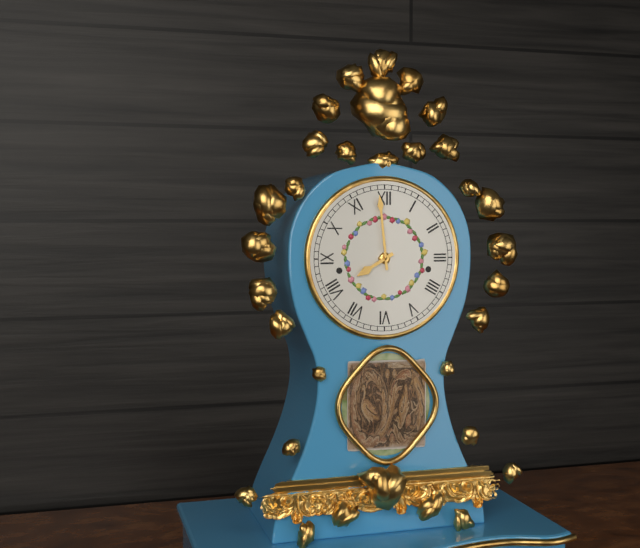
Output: {"hour": 7, "minute": 59}
